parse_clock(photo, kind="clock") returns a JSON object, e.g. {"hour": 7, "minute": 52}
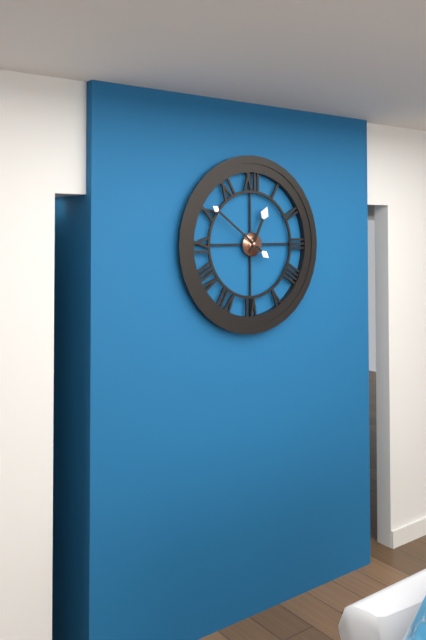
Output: {"hour": 12, "minute": 51}
